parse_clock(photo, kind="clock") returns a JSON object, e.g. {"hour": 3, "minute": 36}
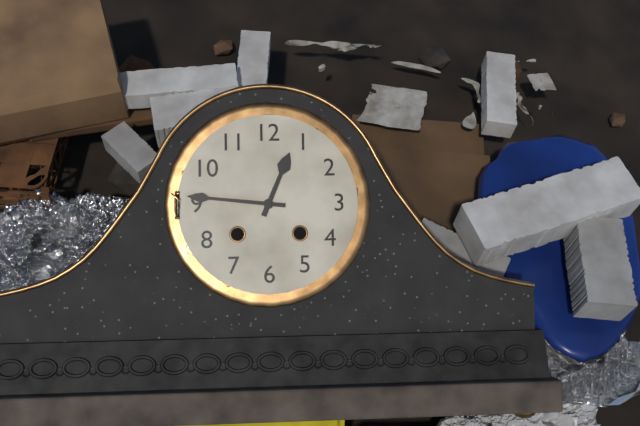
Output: {"hour": 12, "minute": 46}
